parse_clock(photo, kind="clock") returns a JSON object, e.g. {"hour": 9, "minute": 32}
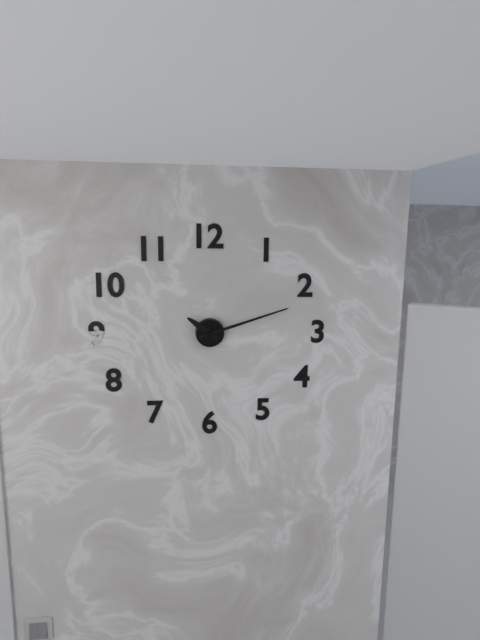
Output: {"hour": 10, "minute": 12}
